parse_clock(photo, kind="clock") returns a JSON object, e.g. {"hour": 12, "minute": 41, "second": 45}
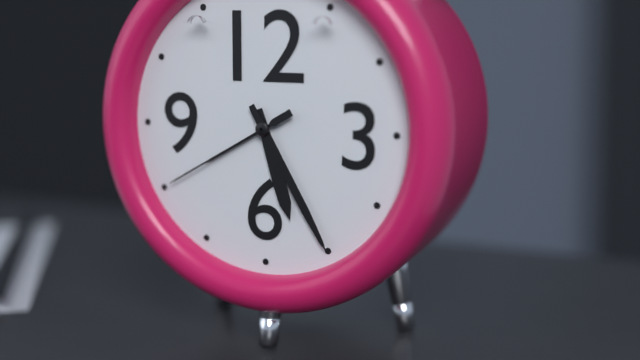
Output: {"hour": 5, "minute": 25, "second": 40}
